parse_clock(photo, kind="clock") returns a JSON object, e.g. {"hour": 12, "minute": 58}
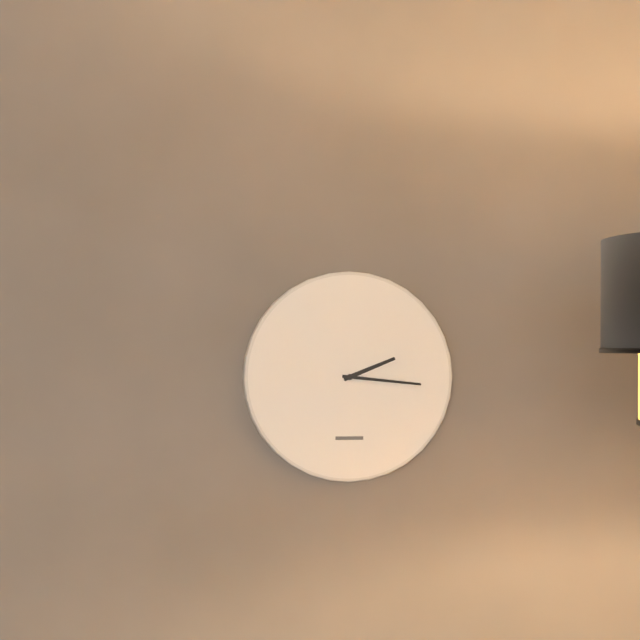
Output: {"hour": 2, "minute": 16}
